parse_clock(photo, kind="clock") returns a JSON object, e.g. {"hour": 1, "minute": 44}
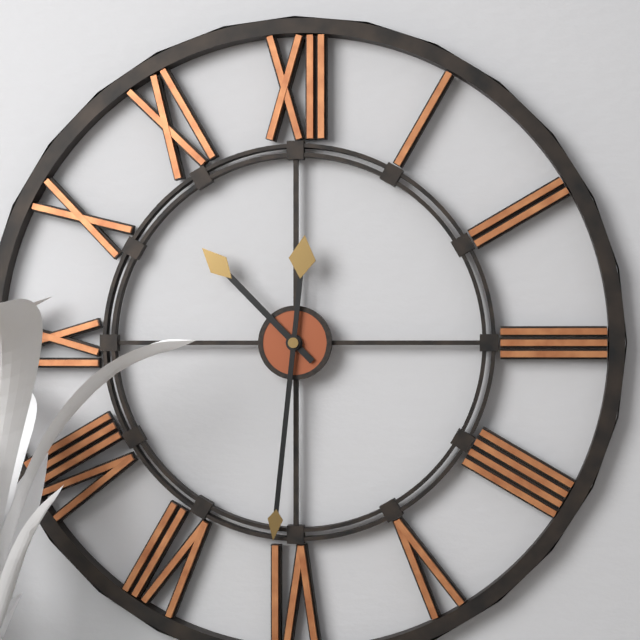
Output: {"hour": 10, "minute": 31}
